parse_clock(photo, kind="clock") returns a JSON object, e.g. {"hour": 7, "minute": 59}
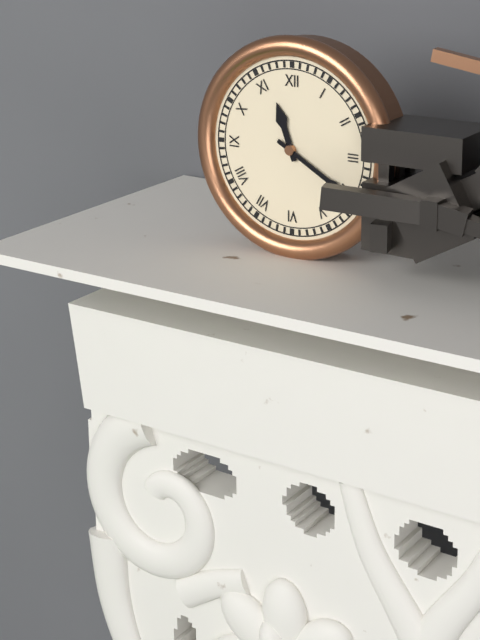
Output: {"hour": 11, "minute": 20}
